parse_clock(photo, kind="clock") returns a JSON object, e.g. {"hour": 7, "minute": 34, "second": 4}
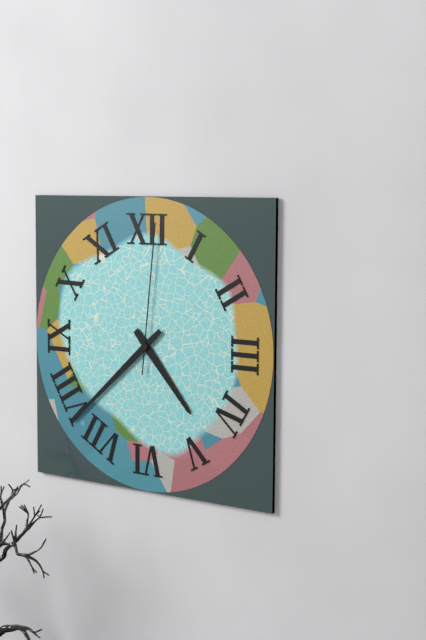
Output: {"hour": 4, "minute": 38, "second": 1}
